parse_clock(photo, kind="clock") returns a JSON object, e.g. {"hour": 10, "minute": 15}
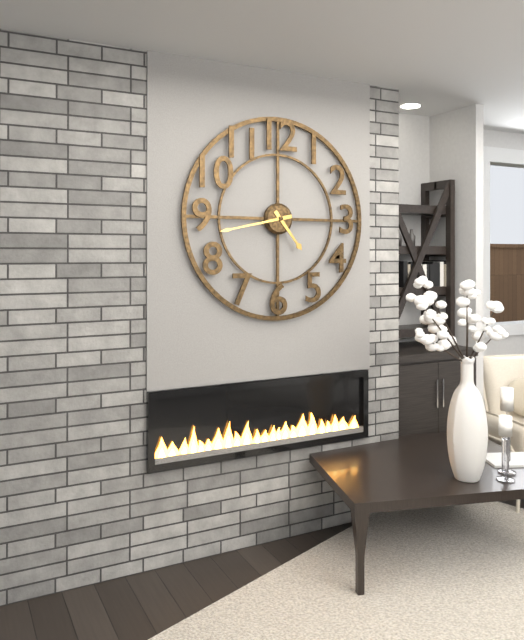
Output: {"hour": 4, "minute": 43}
